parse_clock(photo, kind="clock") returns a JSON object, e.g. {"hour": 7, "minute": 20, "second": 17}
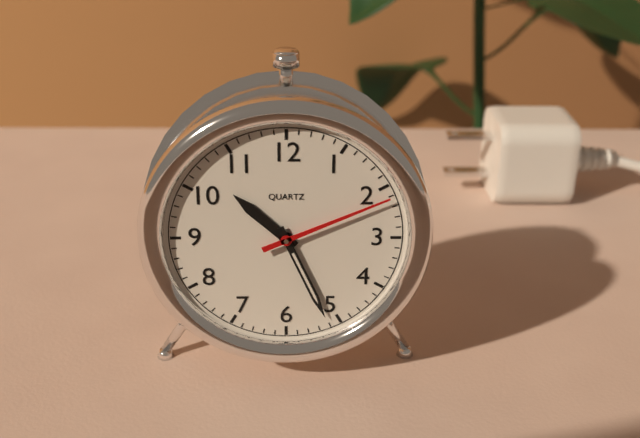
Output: {"hour": 10, "minute": 26, "second": 11}
